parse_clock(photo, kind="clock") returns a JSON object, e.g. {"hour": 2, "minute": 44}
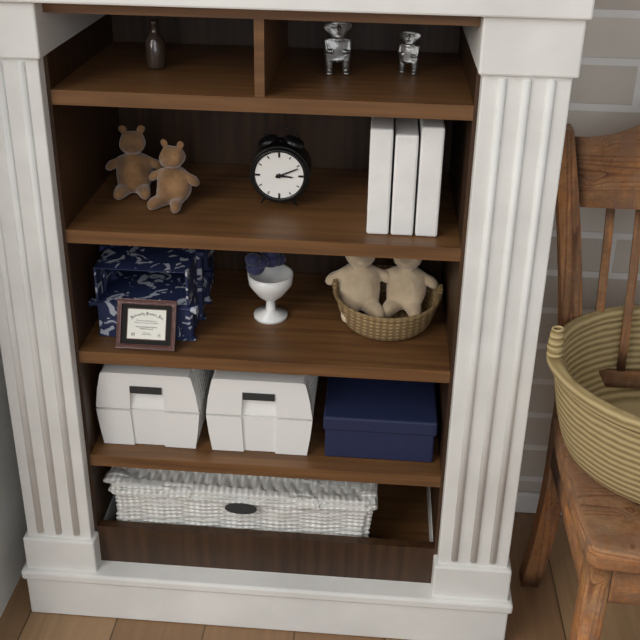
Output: {"hour": 3, "minute": 11}
